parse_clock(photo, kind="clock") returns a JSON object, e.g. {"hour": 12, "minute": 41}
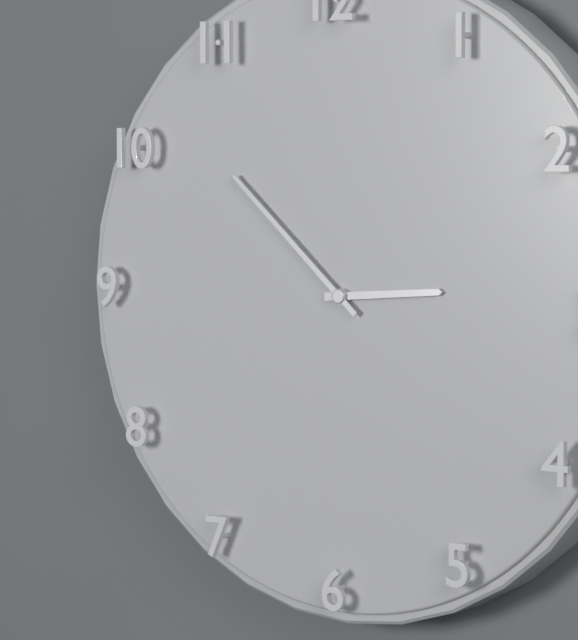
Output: {"hour": 2, "minute": 52}
